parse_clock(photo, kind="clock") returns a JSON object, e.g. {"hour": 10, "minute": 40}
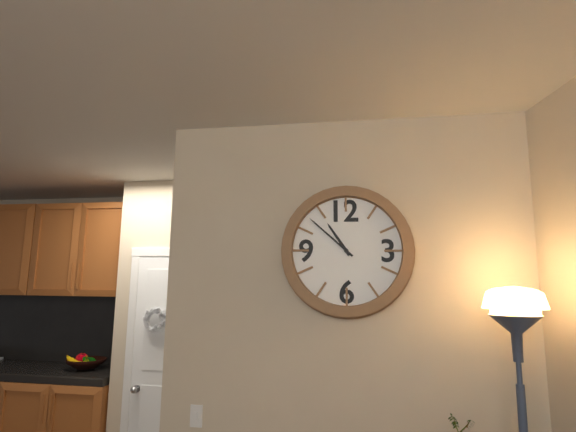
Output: {"hour": 10, "minute": 52}
